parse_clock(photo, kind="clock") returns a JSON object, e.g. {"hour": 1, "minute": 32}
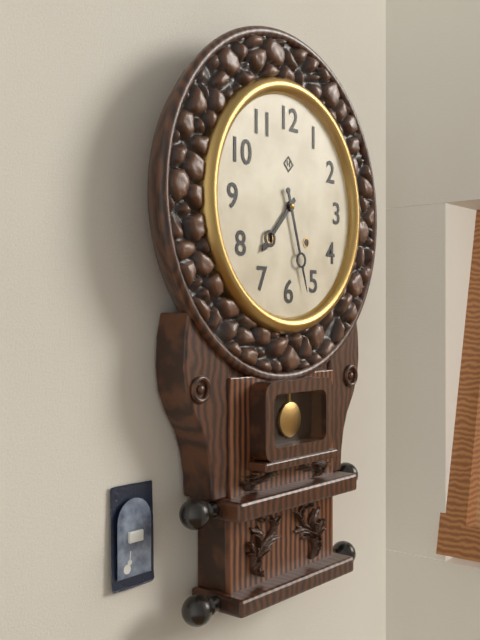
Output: {"hour": 7, "minute": 27}
